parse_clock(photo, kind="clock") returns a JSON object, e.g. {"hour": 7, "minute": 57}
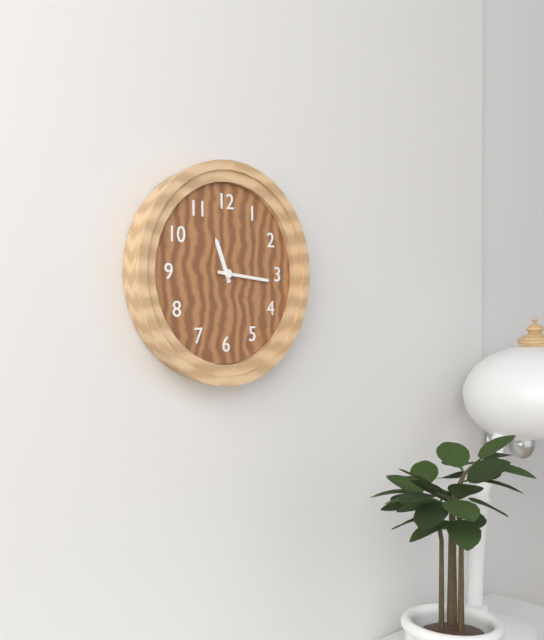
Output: {"hour": 11, "minute": 16}
